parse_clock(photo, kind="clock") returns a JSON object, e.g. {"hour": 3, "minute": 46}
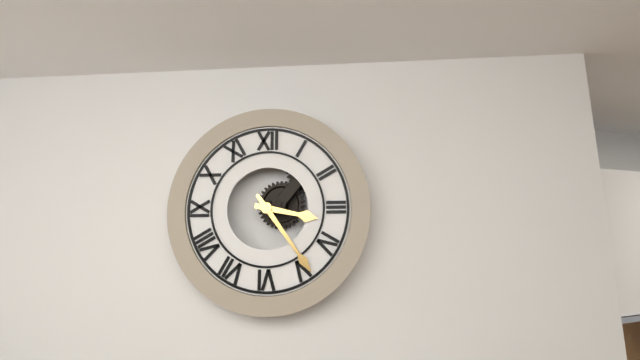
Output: {"hour": 3, "minute": 24}
